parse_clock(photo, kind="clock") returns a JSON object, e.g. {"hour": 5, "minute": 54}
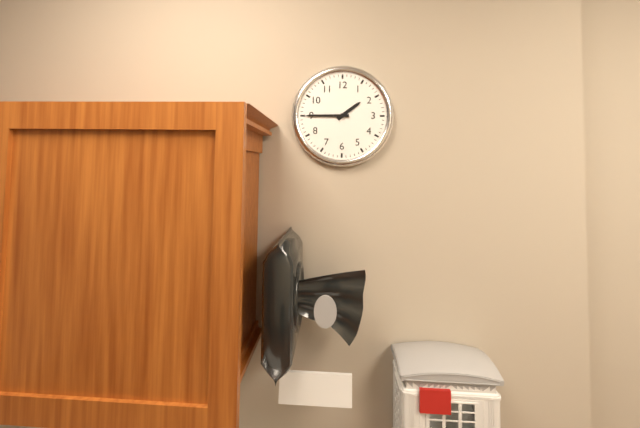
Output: {"hour": 1, "minute": 45}
